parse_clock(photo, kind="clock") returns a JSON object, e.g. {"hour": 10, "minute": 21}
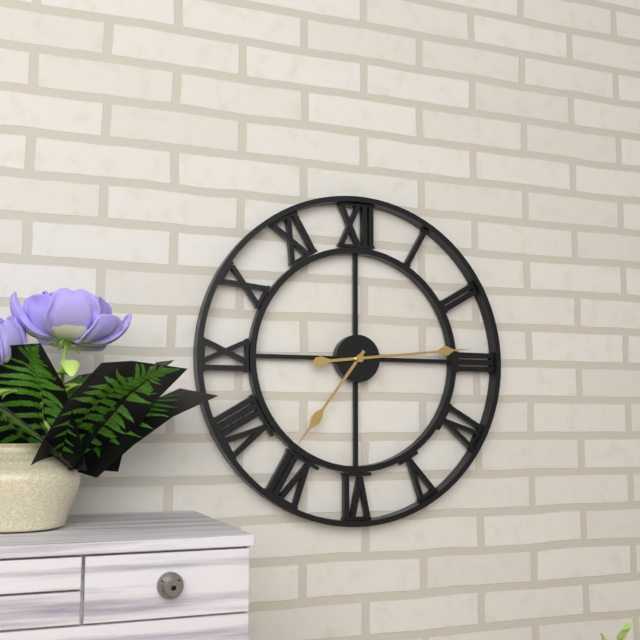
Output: {"hour": 7, "minute": 14}
